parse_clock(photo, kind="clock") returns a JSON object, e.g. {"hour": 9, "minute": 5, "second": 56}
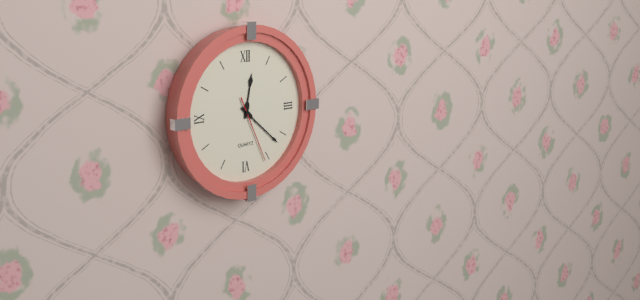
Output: {"hour": 12, "minute": 22, "second": 26}
